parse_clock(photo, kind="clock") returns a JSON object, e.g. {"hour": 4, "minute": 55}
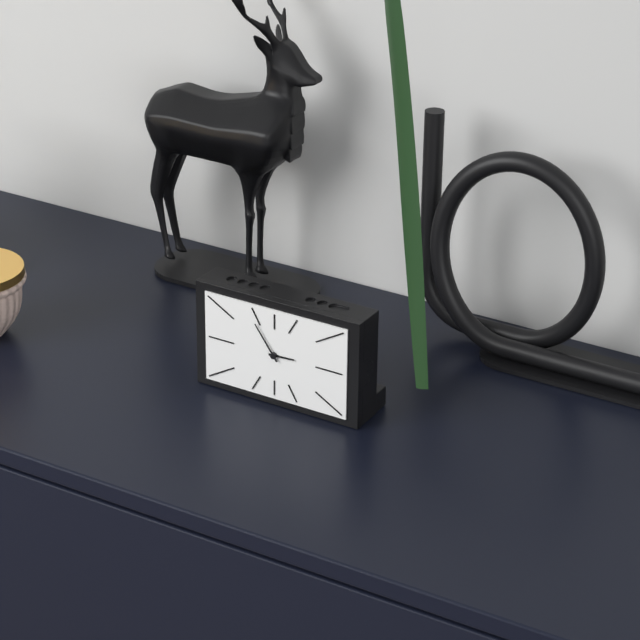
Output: {"hour": 2, "minute": 54}
